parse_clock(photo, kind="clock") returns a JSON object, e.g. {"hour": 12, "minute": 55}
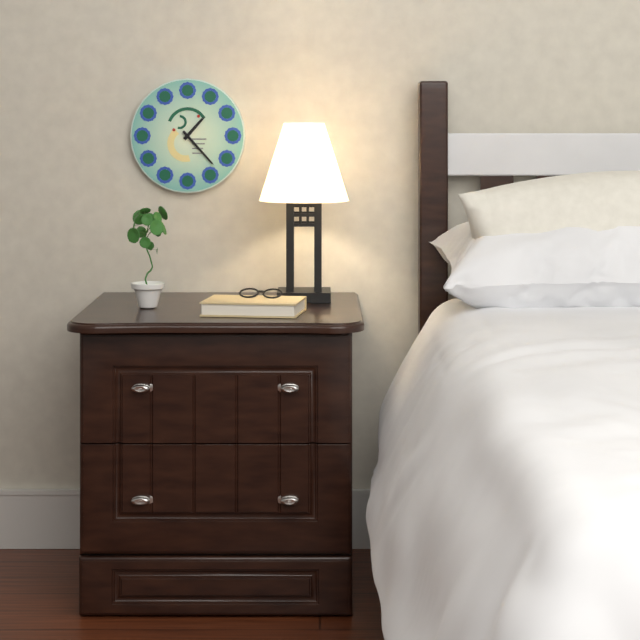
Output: {"hour": 1, "minute": 23}
